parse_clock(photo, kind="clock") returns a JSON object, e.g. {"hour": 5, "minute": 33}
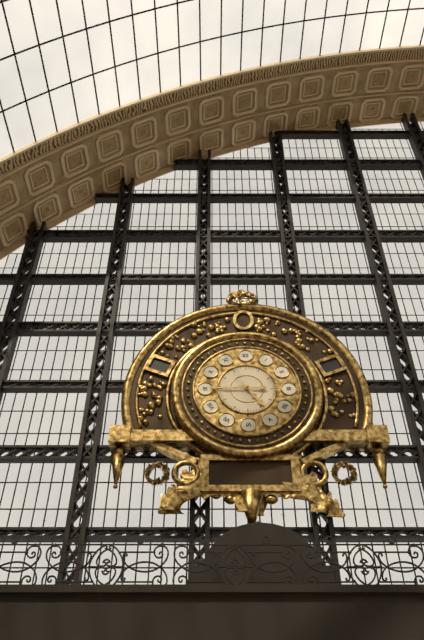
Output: {"hour": 4, "minute": 45}
